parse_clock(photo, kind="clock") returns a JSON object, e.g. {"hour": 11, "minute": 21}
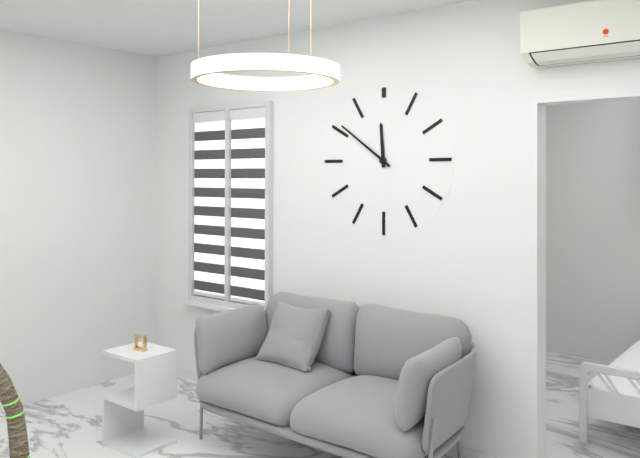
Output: {"hour": 11, "minute": 51}
